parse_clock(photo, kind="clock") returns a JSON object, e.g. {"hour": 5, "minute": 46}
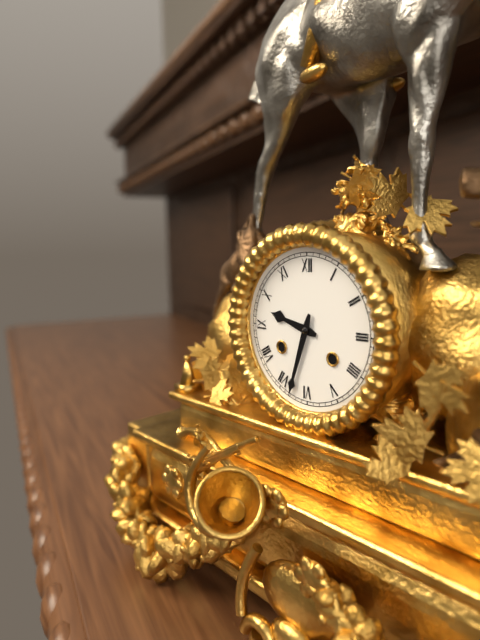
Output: {"hour": 9, "minute": 33}
